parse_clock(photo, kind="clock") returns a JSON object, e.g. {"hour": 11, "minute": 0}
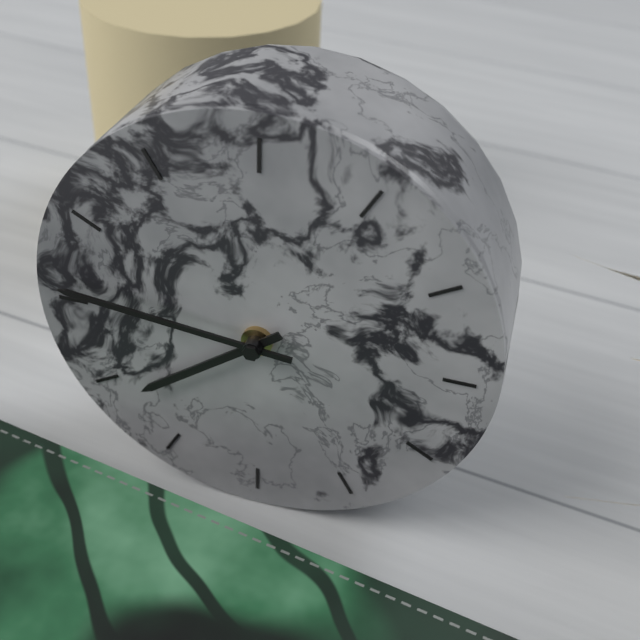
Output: {"hour": 7, "minute": 46}
